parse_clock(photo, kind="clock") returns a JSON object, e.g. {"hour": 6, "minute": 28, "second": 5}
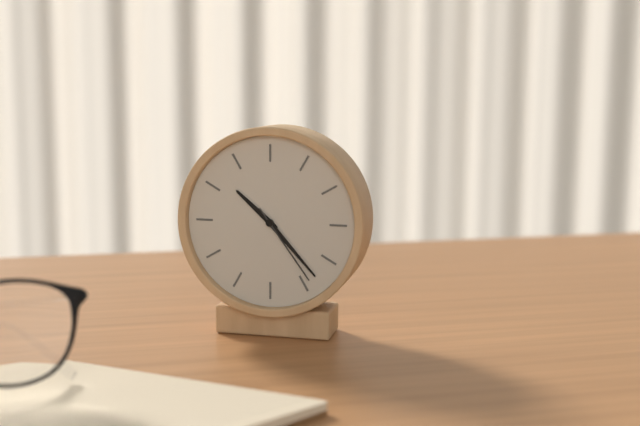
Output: {"hour": 10, "minute": 23, "second": 24}
